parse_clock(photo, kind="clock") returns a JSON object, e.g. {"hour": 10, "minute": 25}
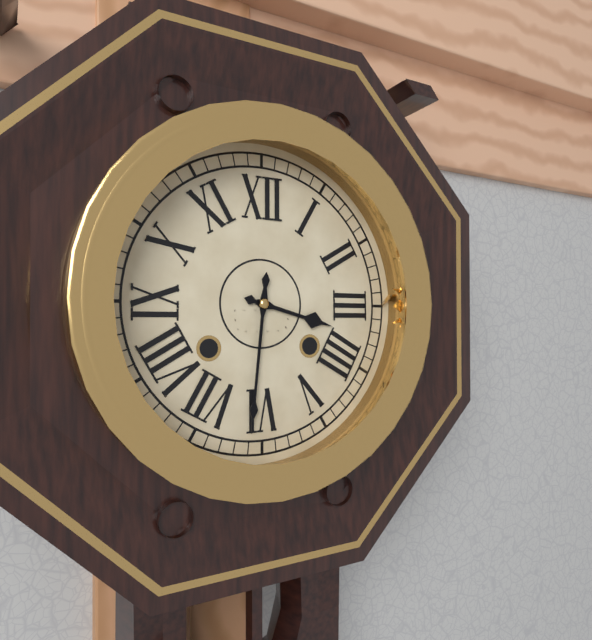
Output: {"hour": 3, "minute": 31}
